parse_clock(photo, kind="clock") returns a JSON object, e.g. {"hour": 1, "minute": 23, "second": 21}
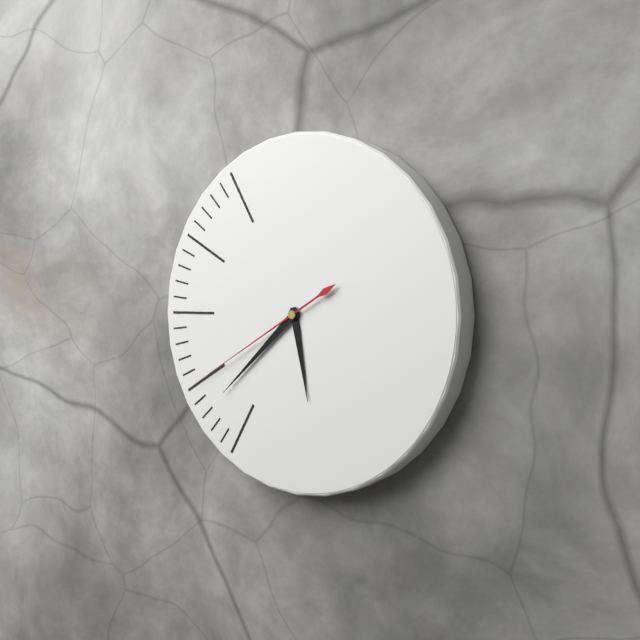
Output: {"hour": 5, "minute": 38, "second": 40}
